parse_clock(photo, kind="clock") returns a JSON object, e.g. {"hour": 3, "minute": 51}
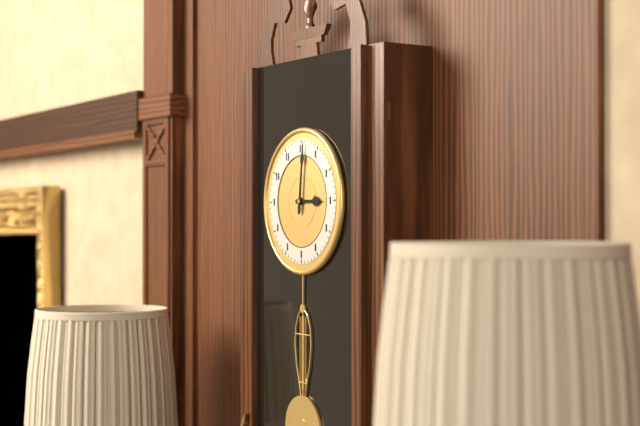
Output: {"hour": 3, "minute": 1}
